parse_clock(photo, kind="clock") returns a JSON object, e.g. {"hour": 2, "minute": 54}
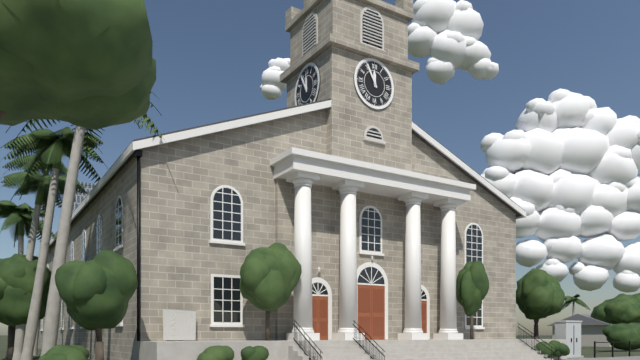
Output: {"hour": 11, "minute": 55}
